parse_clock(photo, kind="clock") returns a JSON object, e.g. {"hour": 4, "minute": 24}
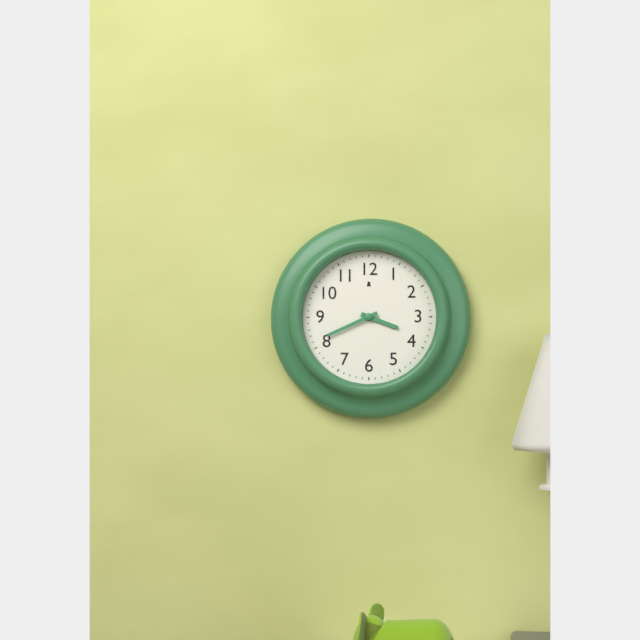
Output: {"hour": 3, "minute": 41}
